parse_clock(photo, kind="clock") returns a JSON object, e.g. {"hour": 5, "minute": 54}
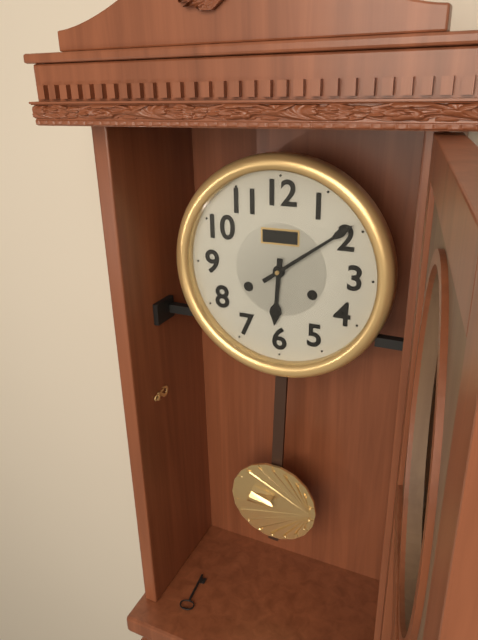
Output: {"hour": 6, "minute": 9}
